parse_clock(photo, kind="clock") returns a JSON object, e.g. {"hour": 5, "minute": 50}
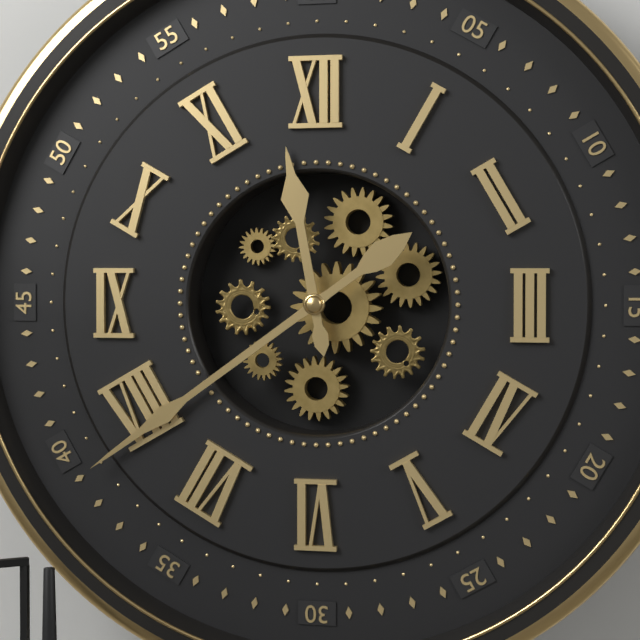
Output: {"hour": 11, "minute": 39}
